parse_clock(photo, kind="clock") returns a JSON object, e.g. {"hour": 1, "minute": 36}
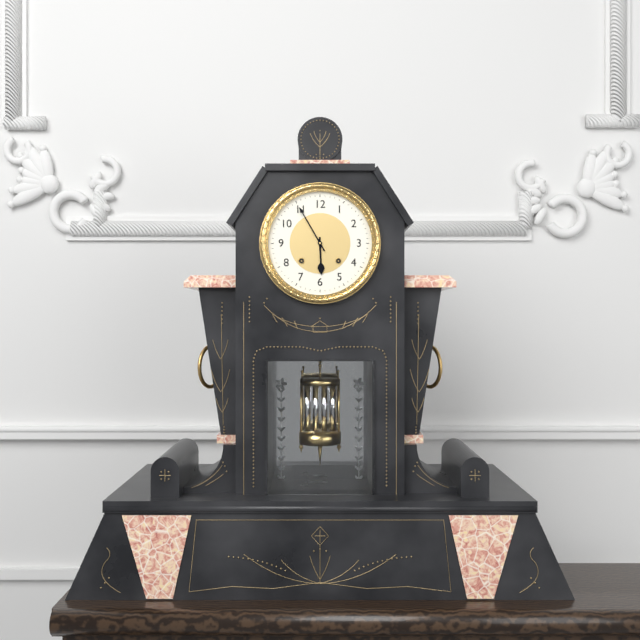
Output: {"hour": 5, "minute": 55}
